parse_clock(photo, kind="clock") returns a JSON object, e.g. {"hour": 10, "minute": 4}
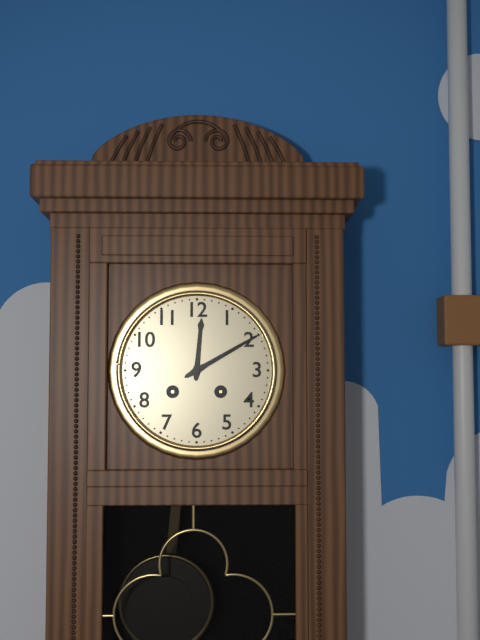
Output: {"hour": 12, "minute": 10}
